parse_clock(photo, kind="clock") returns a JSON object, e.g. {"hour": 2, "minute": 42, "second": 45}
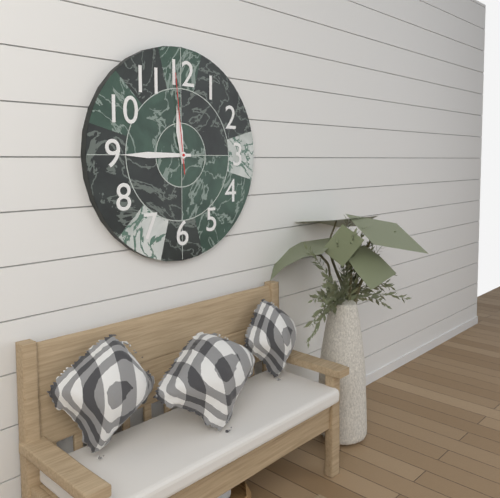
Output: {"hour": 11, "minute": 45, "second": 59}
